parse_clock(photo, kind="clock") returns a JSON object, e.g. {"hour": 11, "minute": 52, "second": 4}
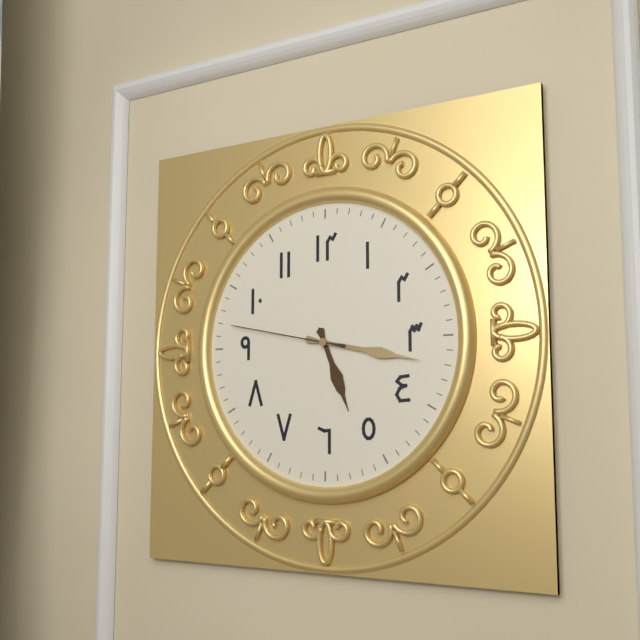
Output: {"hour": 5, "minute": 17, "second": 47}
